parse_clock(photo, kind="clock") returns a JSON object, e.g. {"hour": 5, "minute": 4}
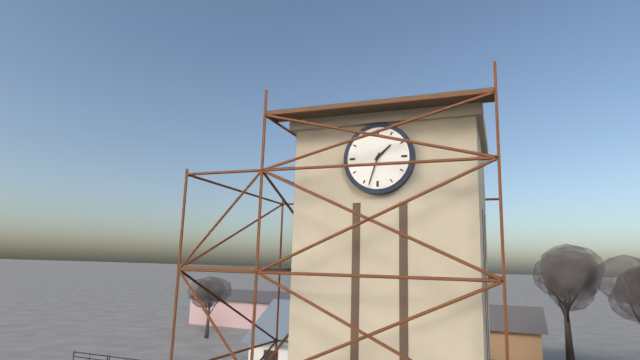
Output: {"hour": 1, "minute": 33}
